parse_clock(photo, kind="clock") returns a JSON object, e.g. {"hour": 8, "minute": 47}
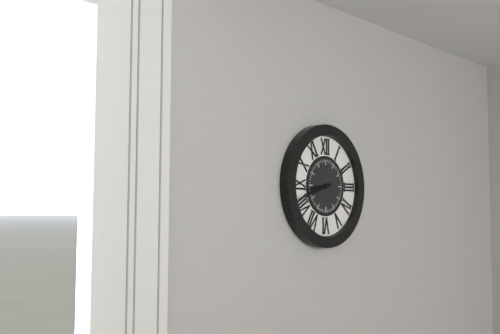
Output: {"hour": 8, "minute": 42}
